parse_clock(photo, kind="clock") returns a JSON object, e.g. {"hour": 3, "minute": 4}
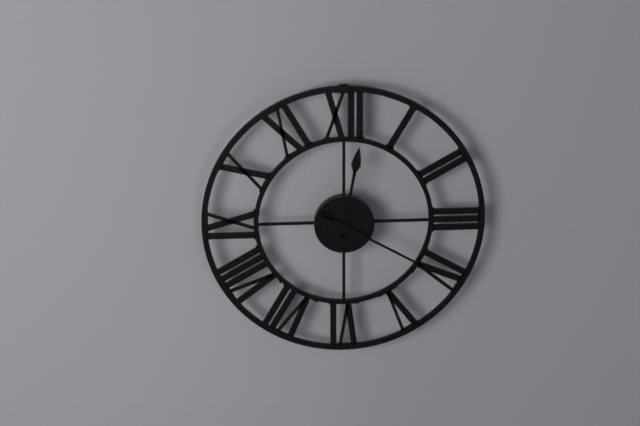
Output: {"hour": 12, "minute": 20}
